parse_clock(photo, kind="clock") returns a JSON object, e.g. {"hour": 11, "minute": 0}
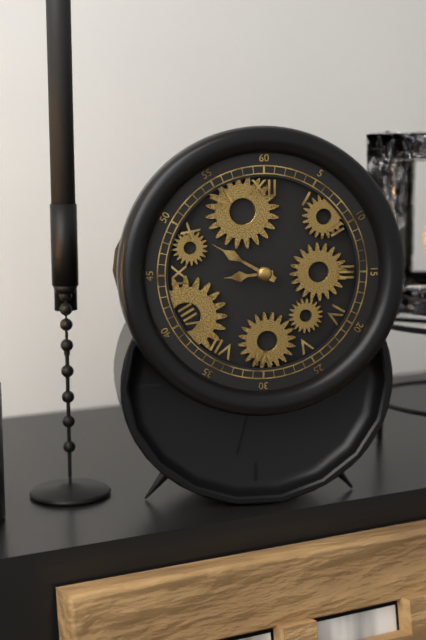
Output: {"hour": 8, "minute": 50}
